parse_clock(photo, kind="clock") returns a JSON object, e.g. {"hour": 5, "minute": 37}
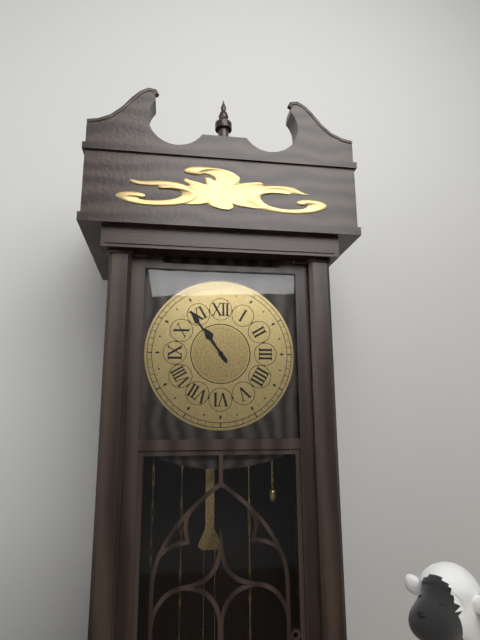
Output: {"hour": 10, "minute": 54}
